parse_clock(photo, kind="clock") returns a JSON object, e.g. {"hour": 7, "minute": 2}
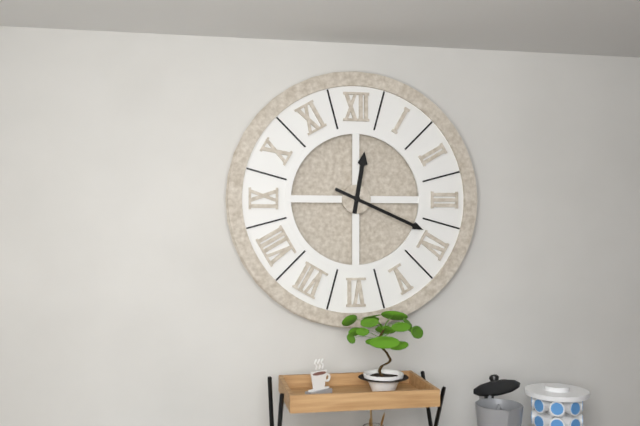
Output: {"hour": 12, "minute": 19}
